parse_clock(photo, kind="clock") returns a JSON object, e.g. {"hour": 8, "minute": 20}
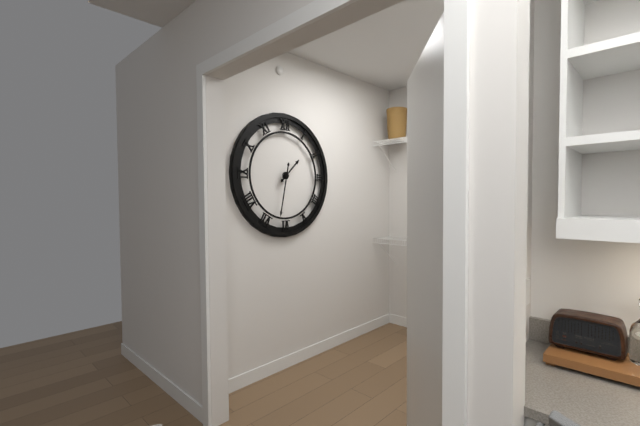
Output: {"hour": 1, "minute": 32}
